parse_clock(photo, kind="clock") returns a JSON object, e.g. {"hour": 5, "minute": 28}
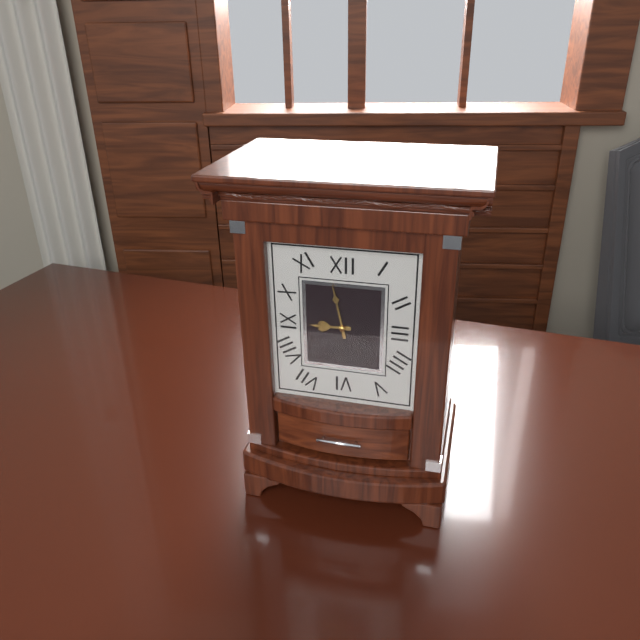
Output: {"hour": 8, "minute": 58}
